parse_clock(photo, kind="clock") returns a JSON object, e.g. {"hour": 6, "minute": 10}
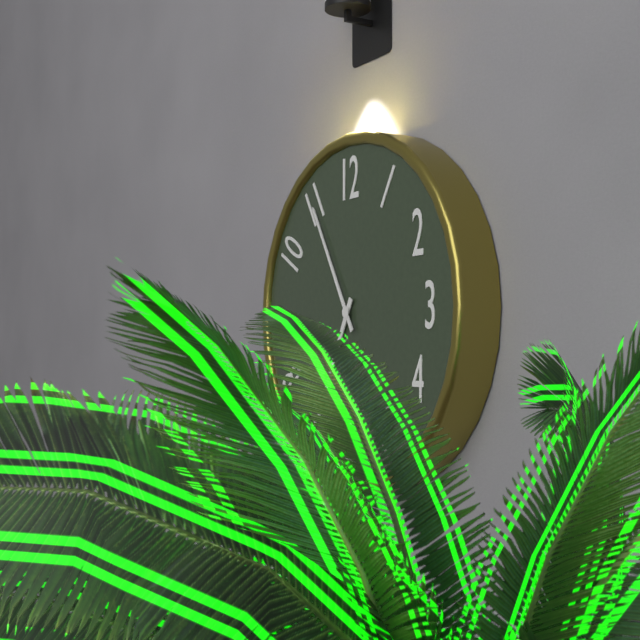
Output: {"hour": 6, "minute": 55}
